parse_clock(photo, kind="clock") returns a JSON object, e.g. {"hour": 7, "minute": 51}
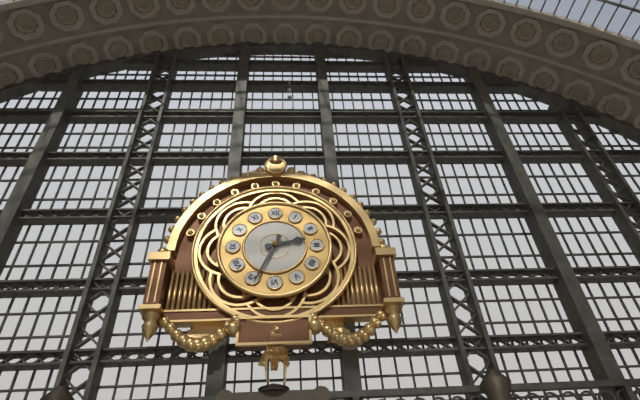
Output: {"hour": 2, "minute": 34}
